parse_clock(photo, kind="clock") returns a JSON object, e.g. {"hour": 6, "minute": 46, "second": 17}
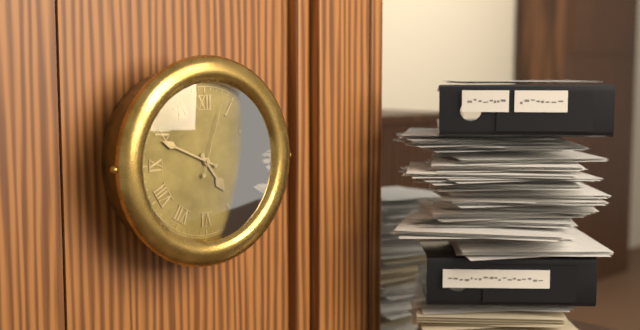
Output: {"hour": 4, "minute": 49, "second": 3}
